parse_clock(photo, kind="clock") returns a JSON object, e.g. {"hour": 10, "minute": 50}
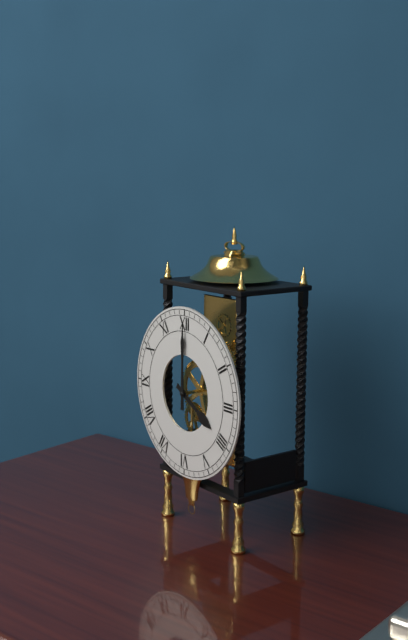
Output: {"hour": 4, "minute": 0}
